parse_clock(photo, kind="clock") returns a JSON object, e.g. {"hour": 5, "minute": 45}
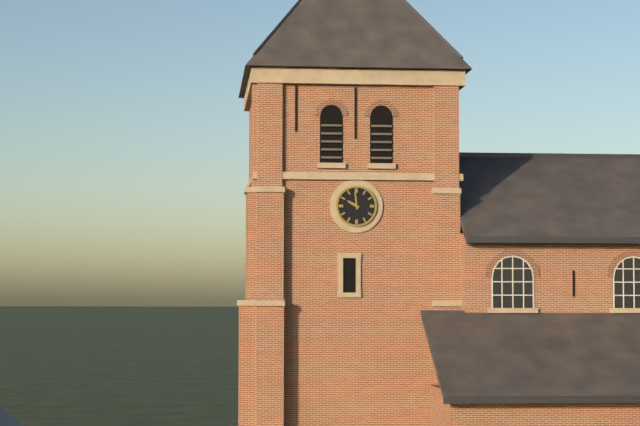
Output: {"hour": 9, "minute": 59}
